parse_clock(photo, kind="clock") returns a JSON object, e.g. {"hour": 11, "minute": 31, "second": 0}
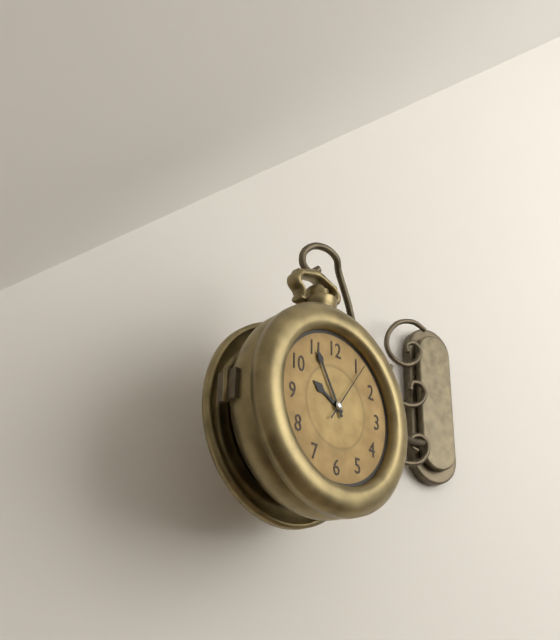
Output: {"hour": 9, "minute": 55, "second": 6}
